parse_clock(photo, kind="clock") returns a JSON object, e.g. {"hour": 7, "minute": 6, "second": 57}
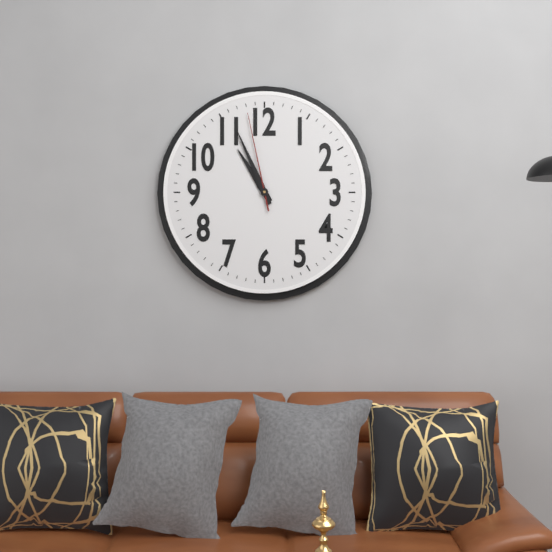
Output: {"hour": 10, "minute": 56, "second": 58}
